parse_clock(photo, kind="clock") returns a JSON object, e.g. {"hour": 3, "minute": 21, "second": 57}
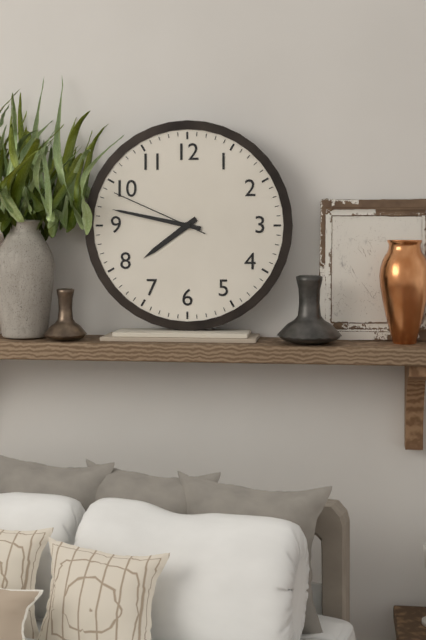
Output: {"hour": 7, "minute": 47, "second": 49}
